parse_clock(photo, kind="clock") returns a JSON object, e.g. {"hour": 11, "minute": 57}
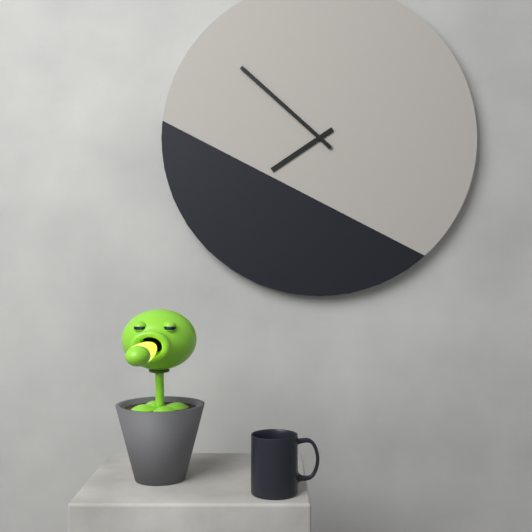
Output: {"hour": 7, "minute": 52}
